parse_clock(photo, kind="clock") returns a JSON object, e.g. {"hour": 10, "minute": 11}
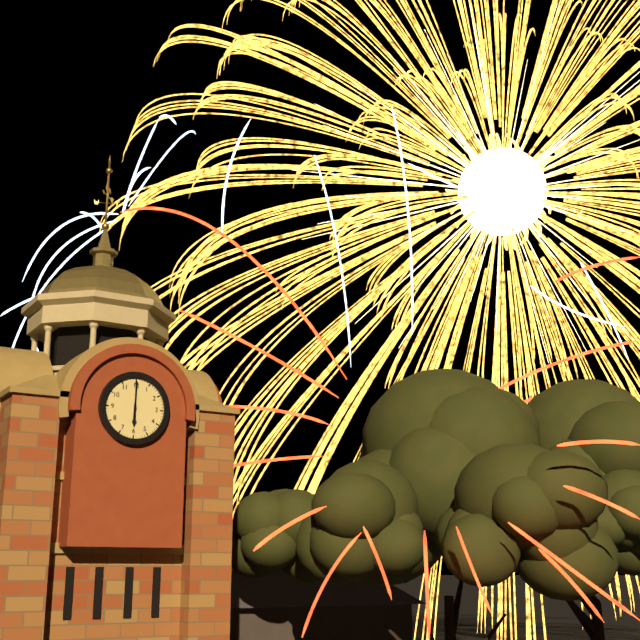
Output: {"hour": 6, "minute": 0}
